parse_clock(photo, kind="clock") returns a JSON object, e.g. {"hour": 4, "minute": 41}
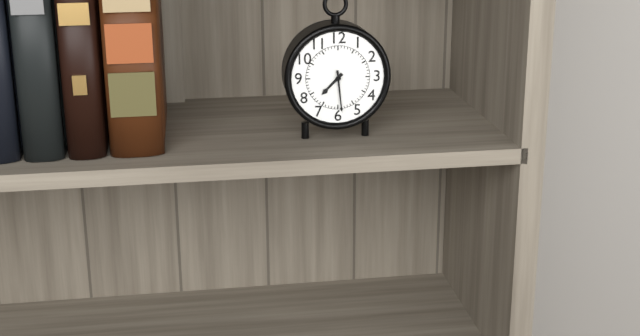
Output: {"hour": 7, "minute": 29}
